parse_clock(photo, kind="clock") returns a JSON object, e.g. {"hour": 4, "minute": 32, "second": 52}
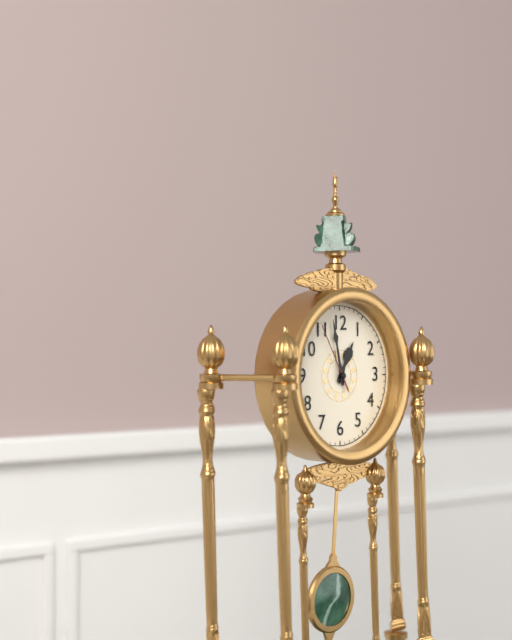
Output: {"hour": 12, "minute": 58, "second": 55}
